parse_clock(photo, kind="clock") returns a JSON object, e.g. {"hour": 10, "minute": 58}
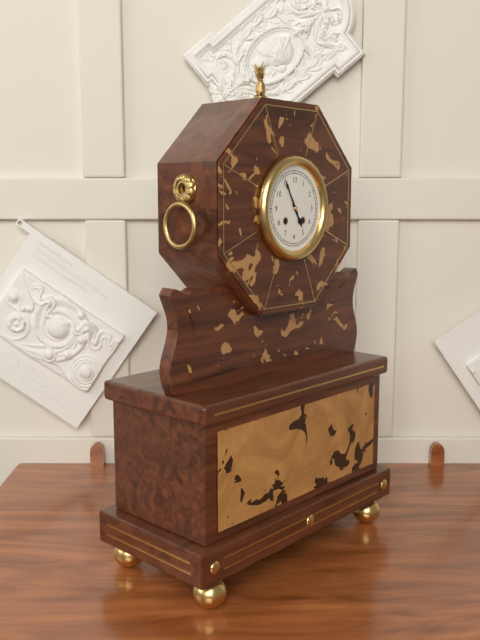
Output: {"hour": 4, "minute": 55}
